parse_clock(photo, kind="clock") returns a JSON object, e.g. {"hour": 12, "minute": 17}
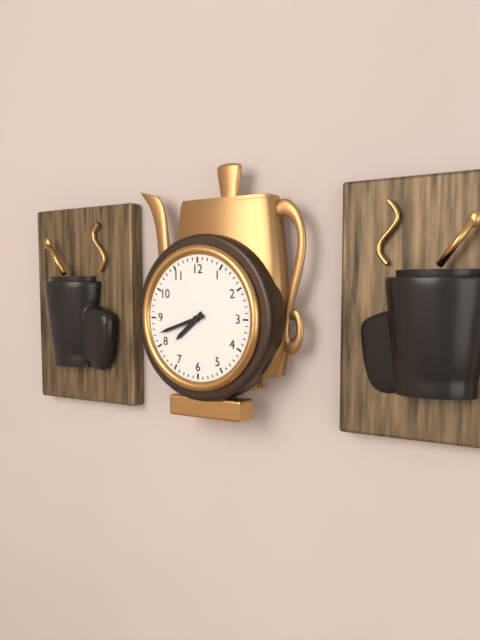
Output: {"hour": 7, "minute": 42}
